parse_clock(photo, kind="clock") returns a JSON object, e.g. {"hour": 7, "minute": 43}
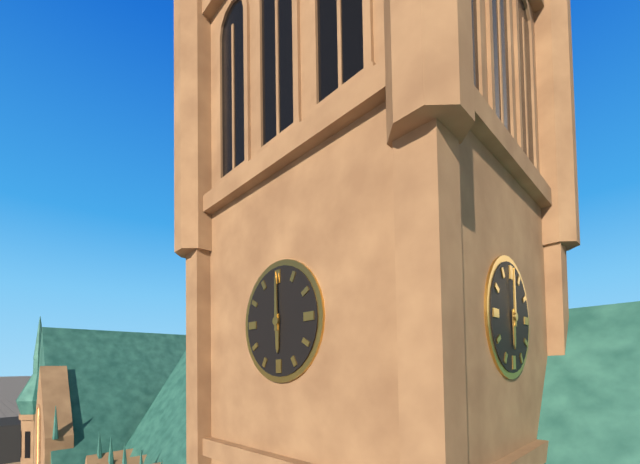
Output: {"hour": 6, "minute": 0}
